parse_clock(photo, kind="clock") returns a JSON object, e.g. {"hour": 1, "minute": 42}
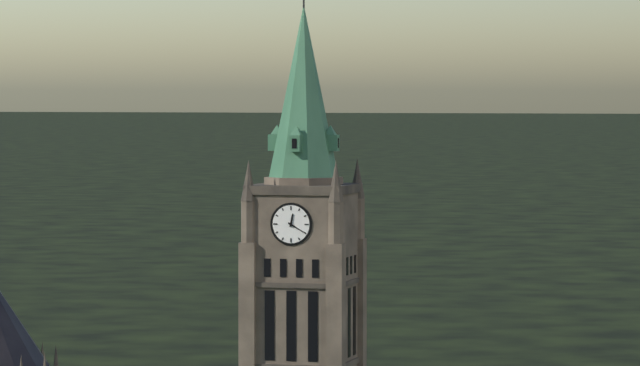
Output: {"hour": 12, "minute": 20}
